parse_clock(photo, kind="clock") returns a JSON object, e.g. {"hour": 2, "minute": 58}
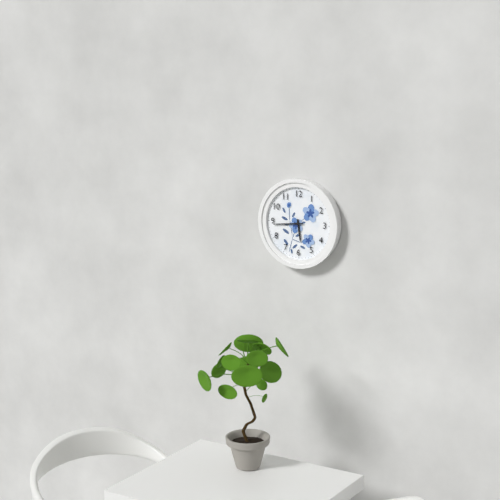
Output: {"hour": 5, "minute": 44}
